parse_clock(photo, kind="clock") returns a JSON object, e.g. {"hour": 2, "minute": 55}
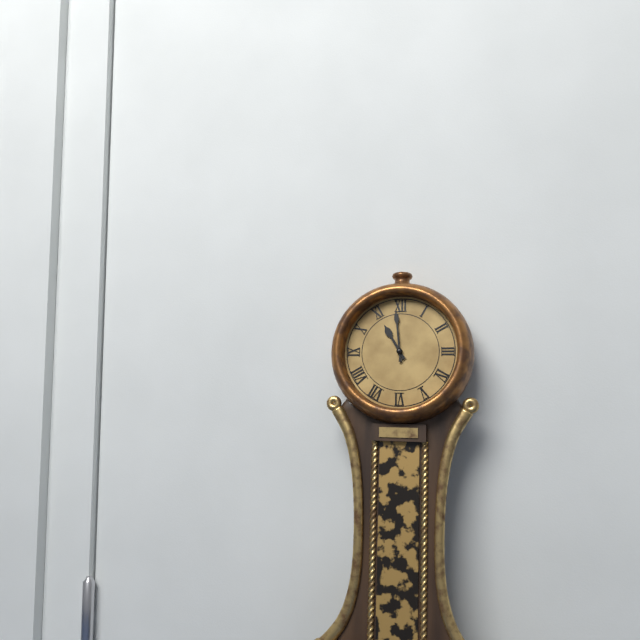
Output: {"hour": 10, "minute": 59}
